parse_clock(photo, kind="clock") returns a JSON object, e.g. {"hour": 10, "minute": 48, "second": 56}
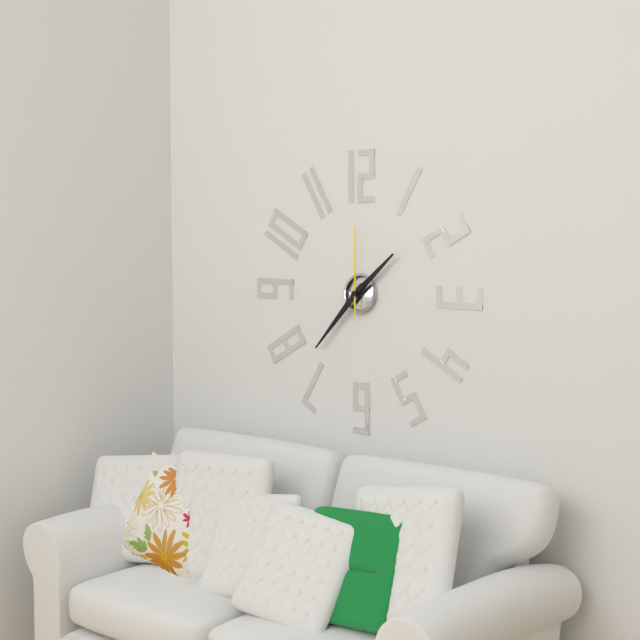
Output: {"hour": 1, "minute": 37, "second": 0}
